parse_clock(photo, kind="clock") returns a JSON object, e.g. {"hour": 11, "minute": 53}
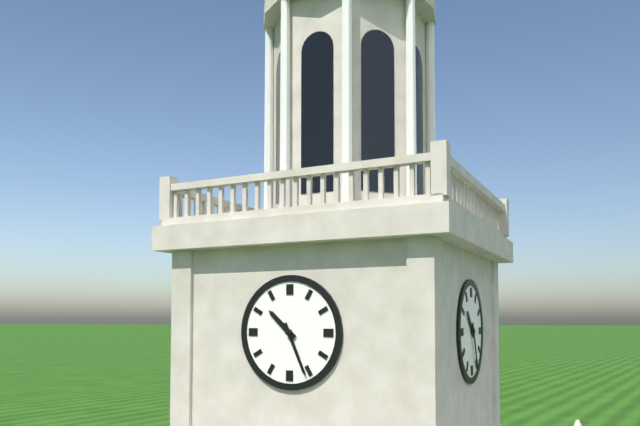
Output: {"hour": 10, "minute": 26}
